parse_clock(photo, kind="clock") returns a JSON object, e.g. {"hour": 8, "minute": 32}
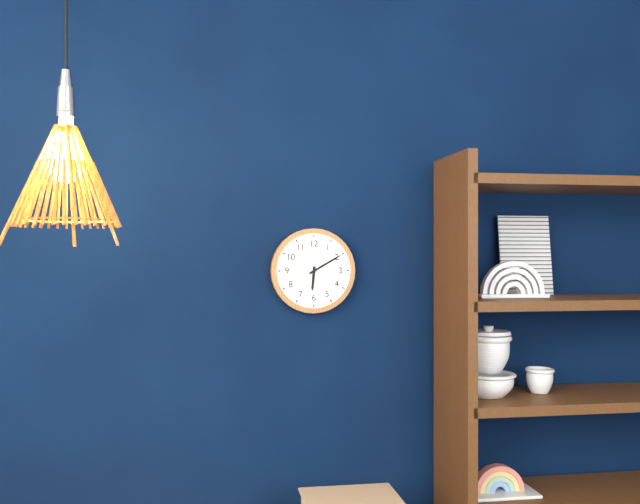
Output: {"hour": 6, "minute": 10}
